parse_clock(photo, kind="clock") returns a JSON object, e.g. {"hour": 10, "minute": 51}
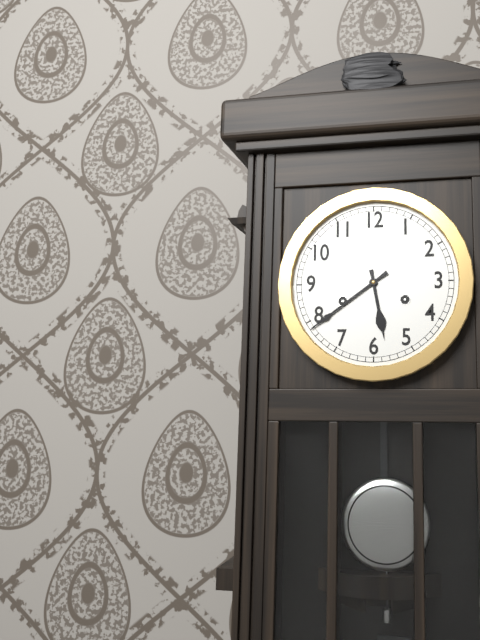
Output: {"hour": 5, "minute": 39}
